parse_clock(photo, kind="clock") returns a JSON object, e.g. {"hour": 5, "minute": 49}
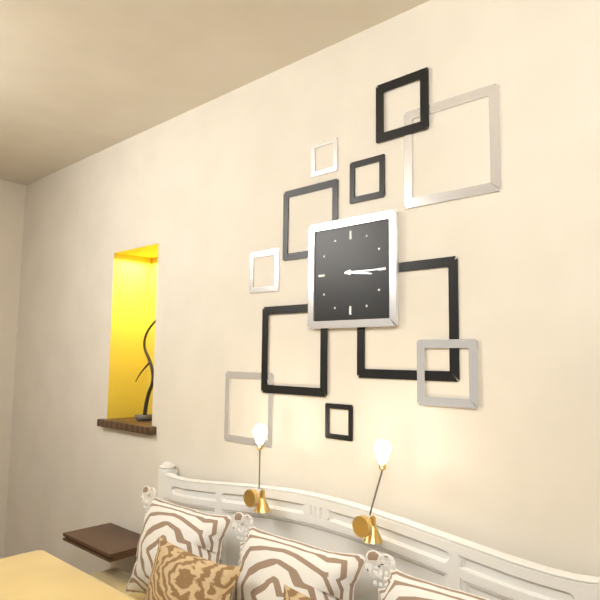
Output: {"hour": 3, "minute": 15}
